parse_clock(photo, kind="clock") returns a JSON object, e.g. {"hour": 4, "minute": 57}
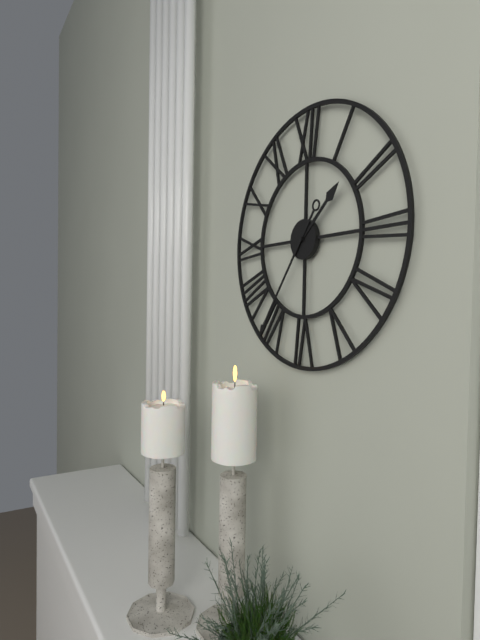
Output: {"hour": 1, "minute": 36}
